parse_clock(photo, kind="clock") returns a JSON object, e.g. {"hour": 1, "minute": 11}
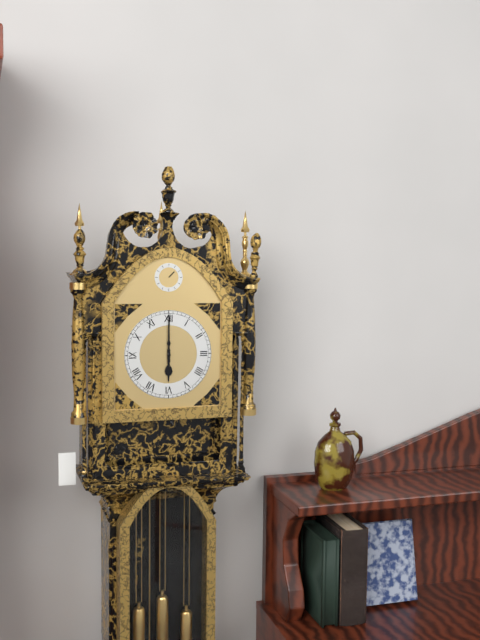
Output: {"hour": 6, "minute": 0}
